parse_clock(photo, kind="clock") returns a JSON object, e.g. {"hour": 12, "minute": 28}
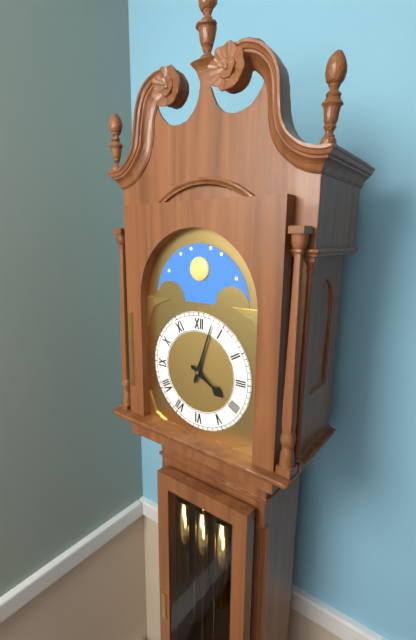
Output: {"hour": 4, "minute": 3}
